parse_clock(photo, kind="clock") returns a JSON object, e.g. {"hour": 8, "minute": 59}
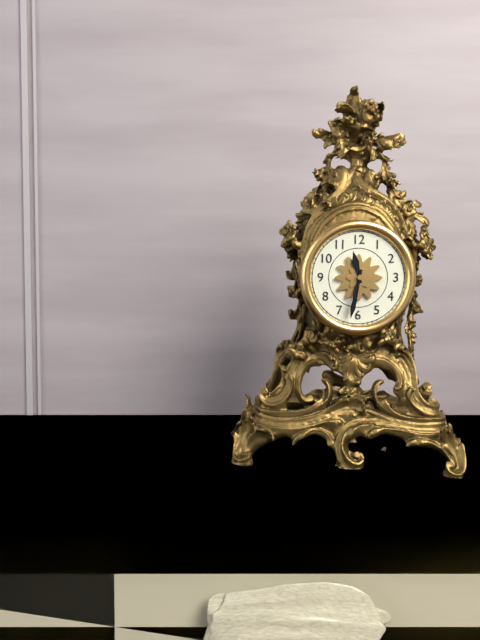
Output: {"hour": 11, "minute": 32}
